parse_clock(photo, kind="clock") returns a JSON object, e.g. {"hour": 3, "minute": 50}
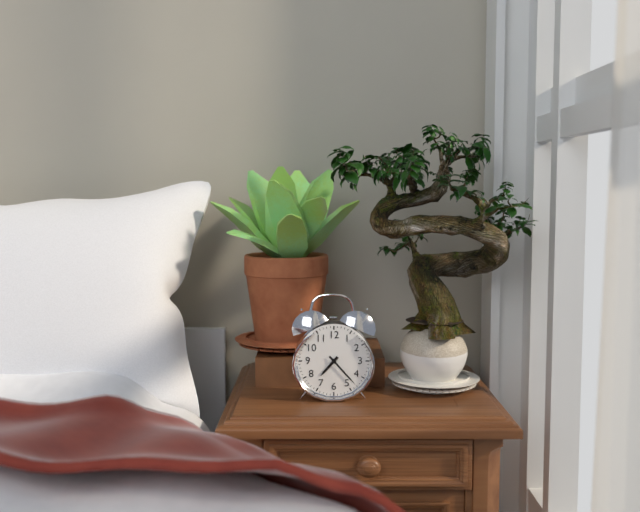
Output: {"hour": 7, "minute": 23}
